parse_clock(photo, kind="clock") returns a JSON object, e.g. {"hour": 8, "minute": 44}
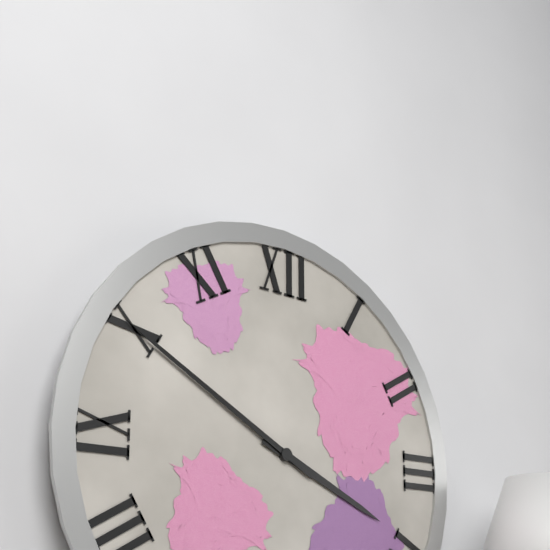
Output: {"hour": 3, "minute": 50}
